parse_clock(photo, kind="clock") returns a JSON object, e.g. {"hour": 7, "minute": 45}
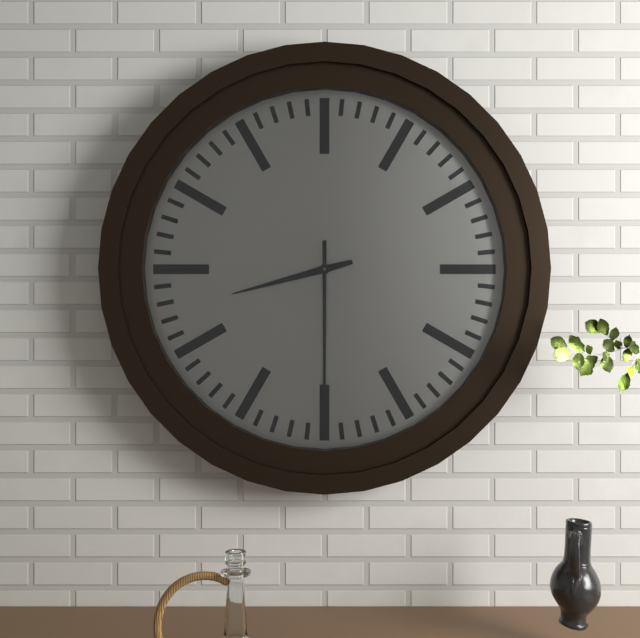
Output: {"hour": 8, "minute": 30}
